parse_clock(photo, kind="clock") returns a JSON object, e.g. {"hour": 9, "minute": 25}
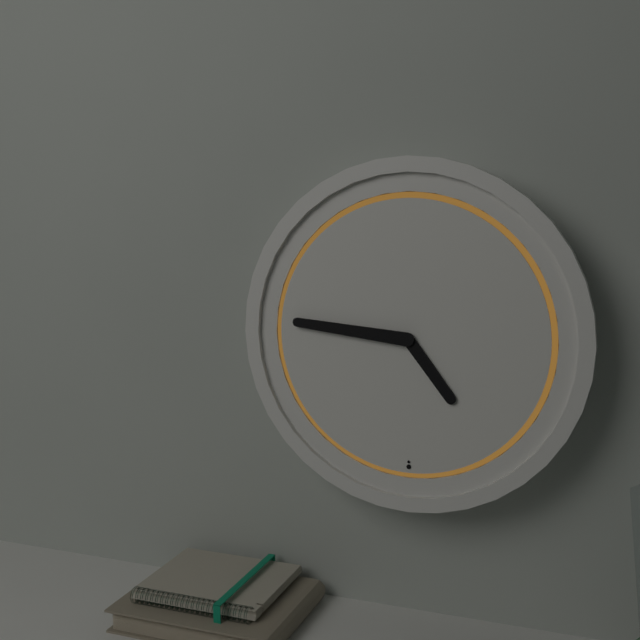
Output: {"hour": 4, "minute": 46}
